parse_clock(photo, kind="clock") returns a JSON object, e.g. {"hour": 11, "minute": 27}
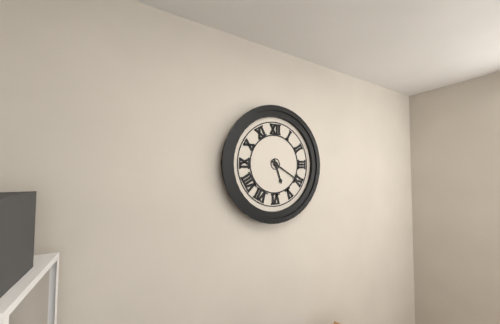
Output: {"hour": 5, "minute": 20}
